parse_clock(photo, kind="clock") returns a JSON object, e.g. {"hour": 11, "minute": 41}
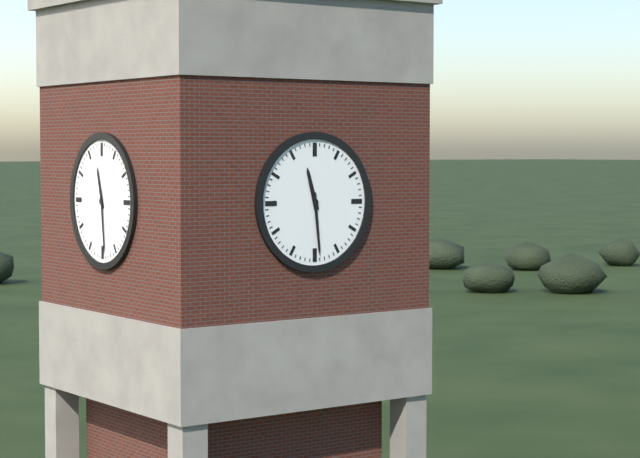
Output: {"hour": 11, "minute": 29}
